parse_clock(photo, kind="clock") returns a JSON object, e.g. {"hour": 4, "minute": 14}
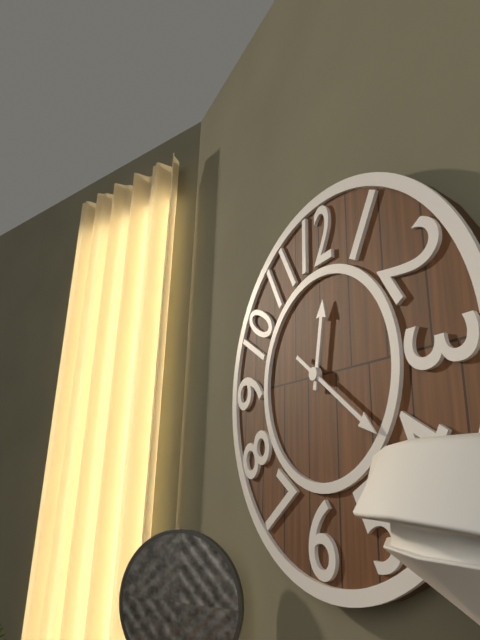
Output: {"hour": 12, "minute": 21}
